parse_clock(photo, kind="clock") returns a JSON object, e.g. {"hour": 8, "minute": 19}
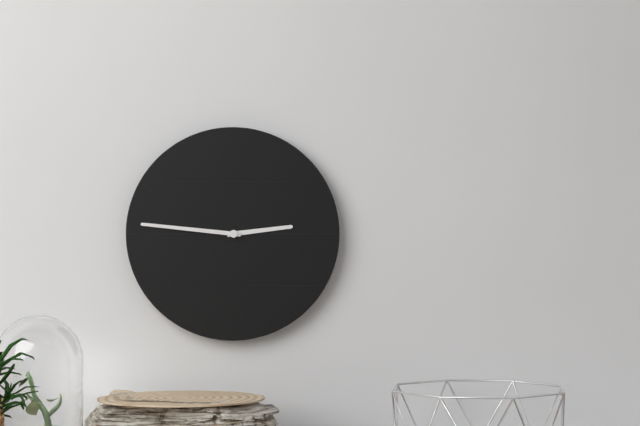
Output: {"hour": 2, "minute": 46}
